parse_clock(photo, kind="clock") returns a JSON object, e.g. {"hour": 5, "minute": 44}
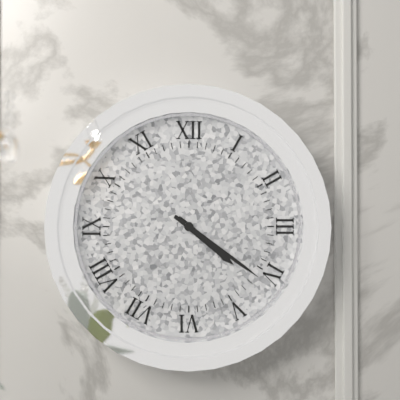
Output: {"hour": 4, "minute": 21}
